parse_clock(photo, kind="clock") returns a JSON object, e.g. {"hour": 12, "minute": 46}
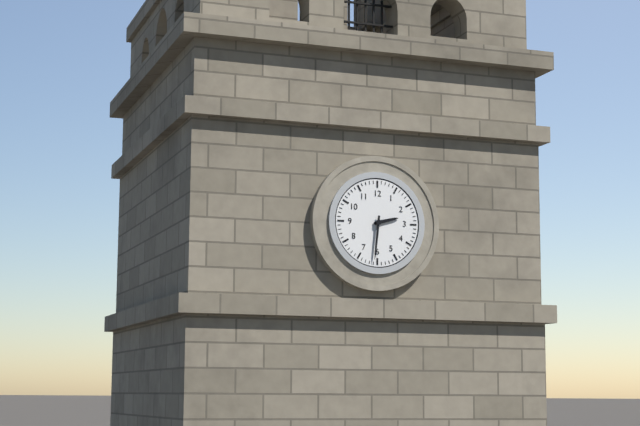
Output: {"hour": 2, "minute": 31}
